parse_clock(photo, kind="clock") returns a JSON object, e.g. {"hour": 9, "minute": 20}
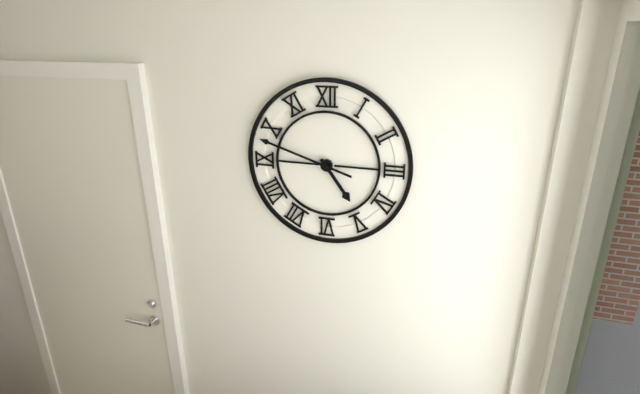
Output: {"hour": 4, "minute": 48}
